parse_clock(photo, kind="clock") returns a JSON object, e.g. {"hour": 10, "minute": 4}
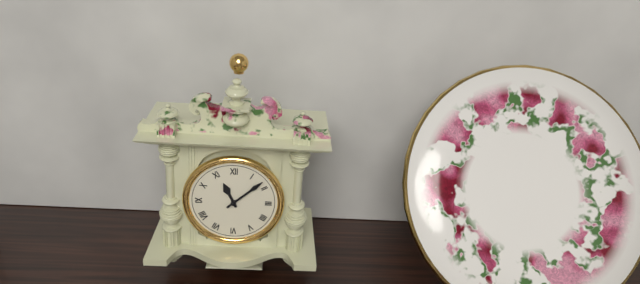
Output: {"hour": 11, "minute": 8}
